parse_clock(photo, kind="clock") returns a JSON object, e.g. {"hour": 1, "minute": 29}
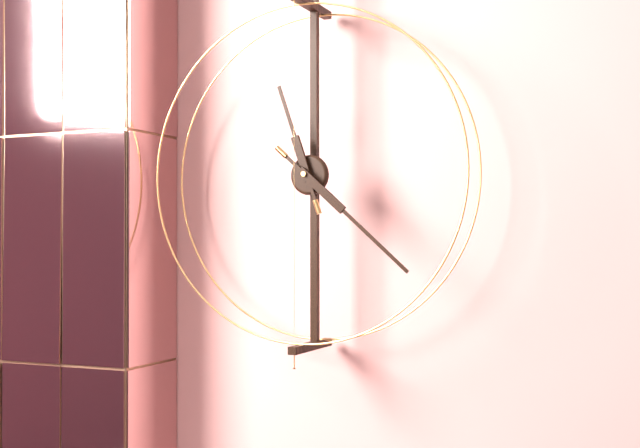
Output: {"hour": 11, "minute": 22}
